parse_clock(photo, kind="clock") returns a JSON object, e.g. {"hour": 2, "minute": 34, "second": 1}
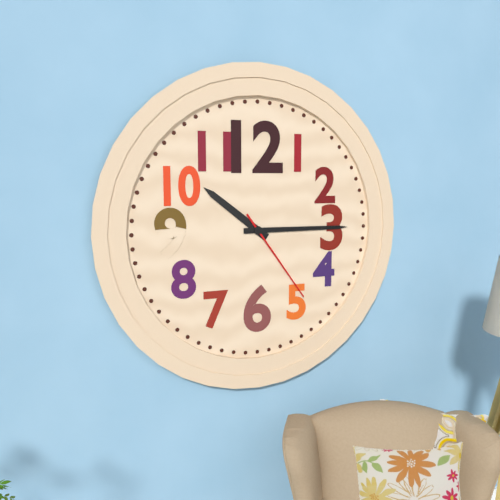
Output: {"hour": 10, "minute": 15, "second": 24}
